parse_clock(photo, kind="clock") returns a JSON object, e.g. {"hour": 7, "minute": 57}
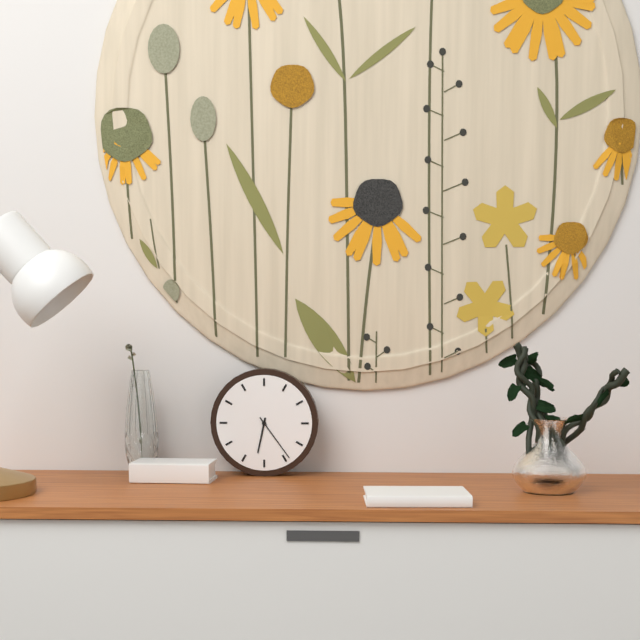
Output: {"hour": 6, "minute": 24}
